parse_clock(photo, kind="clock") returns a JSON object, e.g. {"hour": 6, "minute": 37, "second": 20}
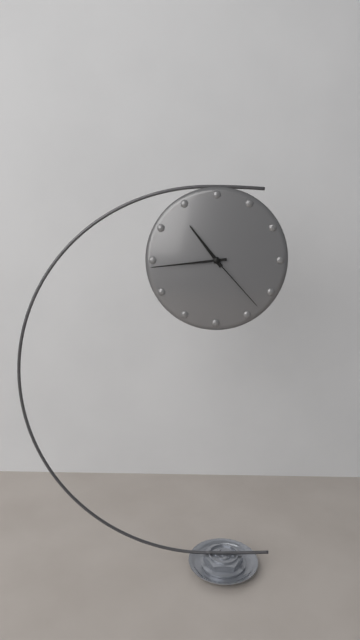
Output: {"hour": 10, "minute": 44, "second": 23}
